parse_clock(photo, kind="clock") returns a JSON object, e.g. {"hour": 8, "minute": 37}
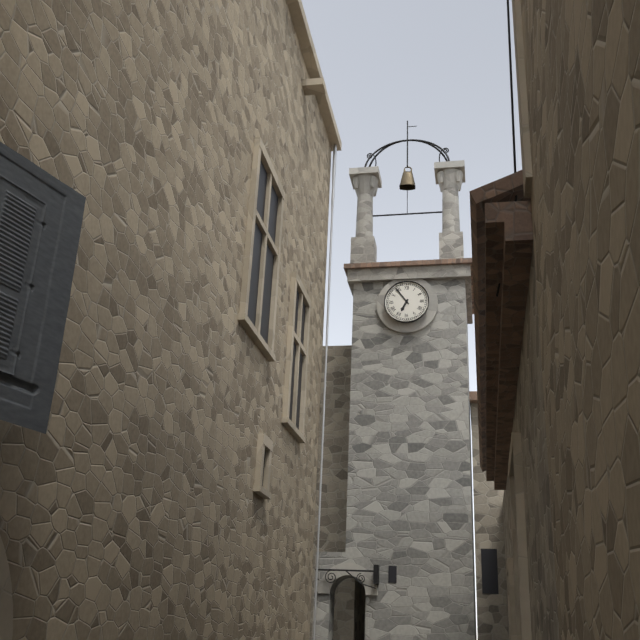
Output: {"hour": 6, "minute": 54}
